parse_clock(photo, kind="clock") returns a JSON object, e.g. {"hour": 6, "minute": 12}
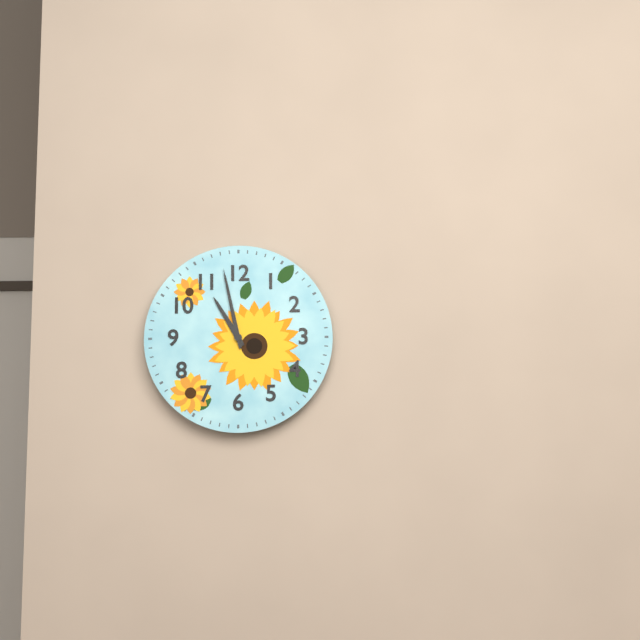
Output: {"hour": 10, "minute": 58}
